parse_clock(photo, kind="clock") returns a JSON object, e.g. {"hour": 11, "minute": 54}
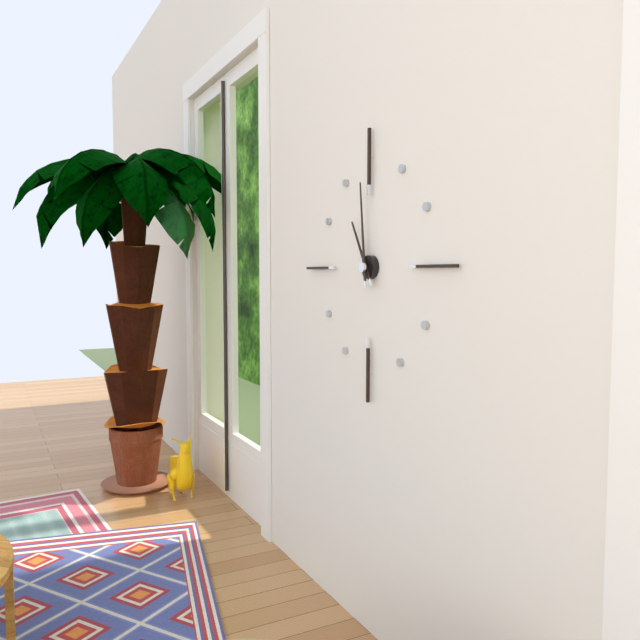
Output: {"hour": 10, "minute": 59}
